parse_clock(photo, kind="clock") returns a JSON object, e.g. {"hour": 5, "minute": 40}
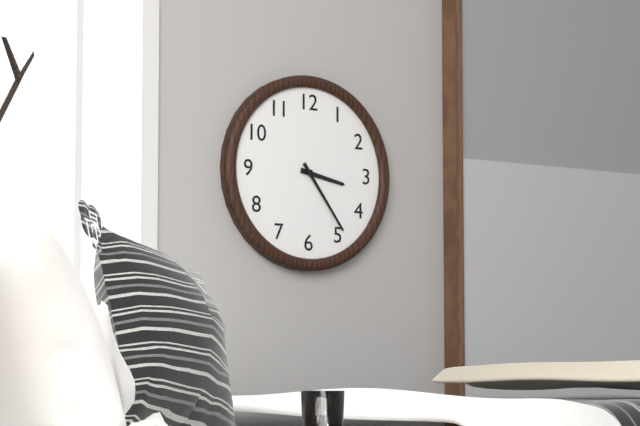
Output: {"hour": 3, "minute": 24}
